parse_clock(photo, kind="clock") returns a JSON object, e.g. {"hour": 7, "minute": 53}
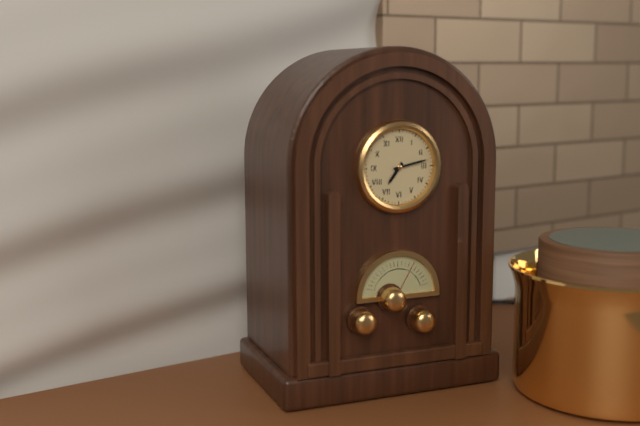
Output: {"hour": 7, "minute": 13}
